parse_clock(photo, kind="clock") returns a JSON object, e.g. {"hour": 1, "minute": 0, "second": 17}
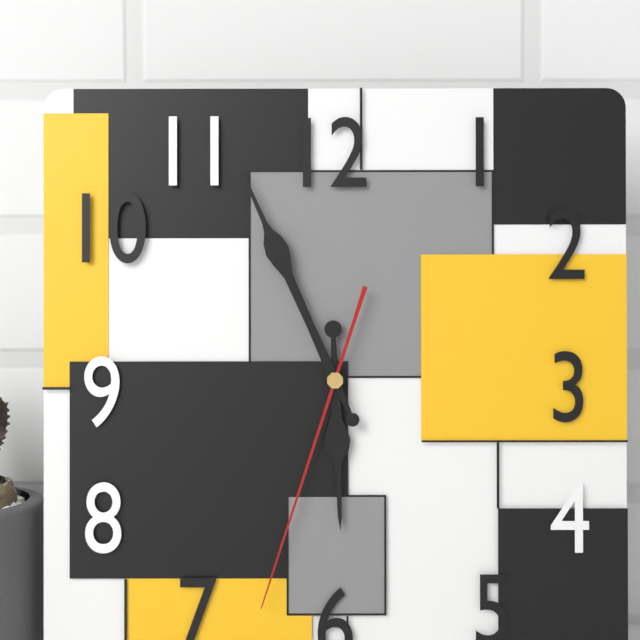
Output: {"hour": 5, "minute": 56, "second": 33}
